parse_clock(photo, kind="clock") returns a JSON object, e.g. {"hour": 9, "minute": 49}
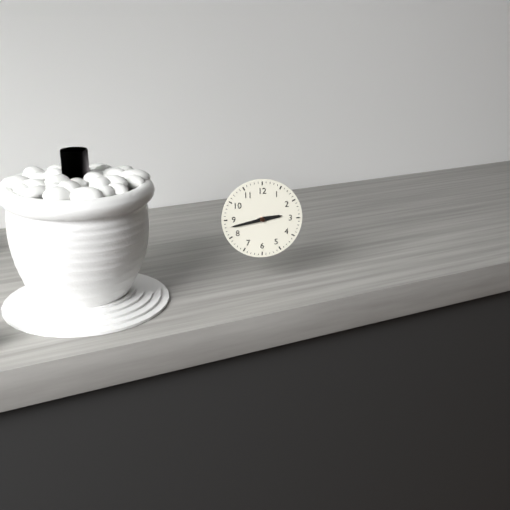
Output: {"hour": 2, "minute": 43}
